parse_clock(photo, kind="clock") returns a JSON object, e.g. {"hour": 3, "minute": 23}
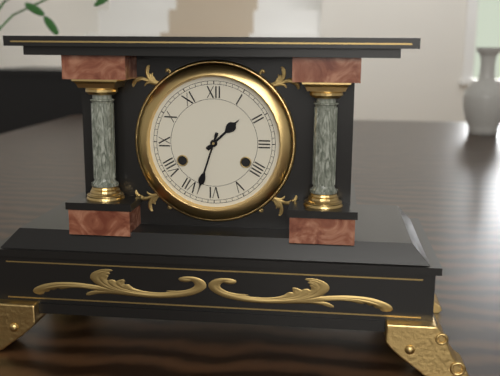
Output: {"hour": 1, "minute": 33}
